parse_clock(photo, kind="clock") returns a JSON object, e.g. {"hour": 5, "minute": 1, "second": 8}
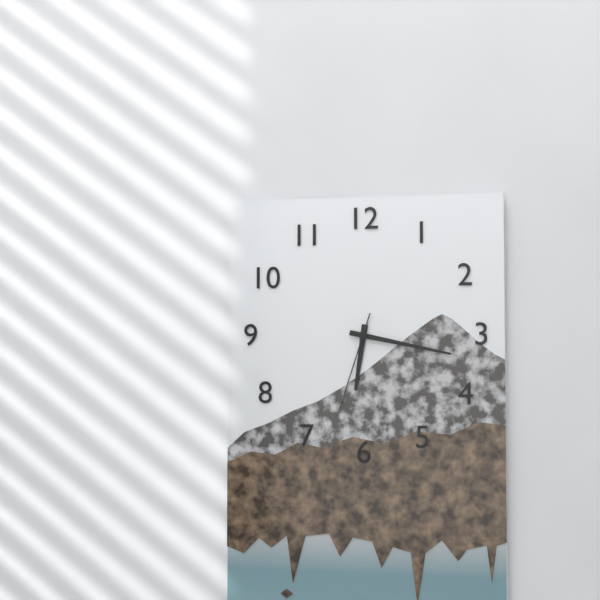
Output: {"hour": 6, "minute": 17, "second": 33}
